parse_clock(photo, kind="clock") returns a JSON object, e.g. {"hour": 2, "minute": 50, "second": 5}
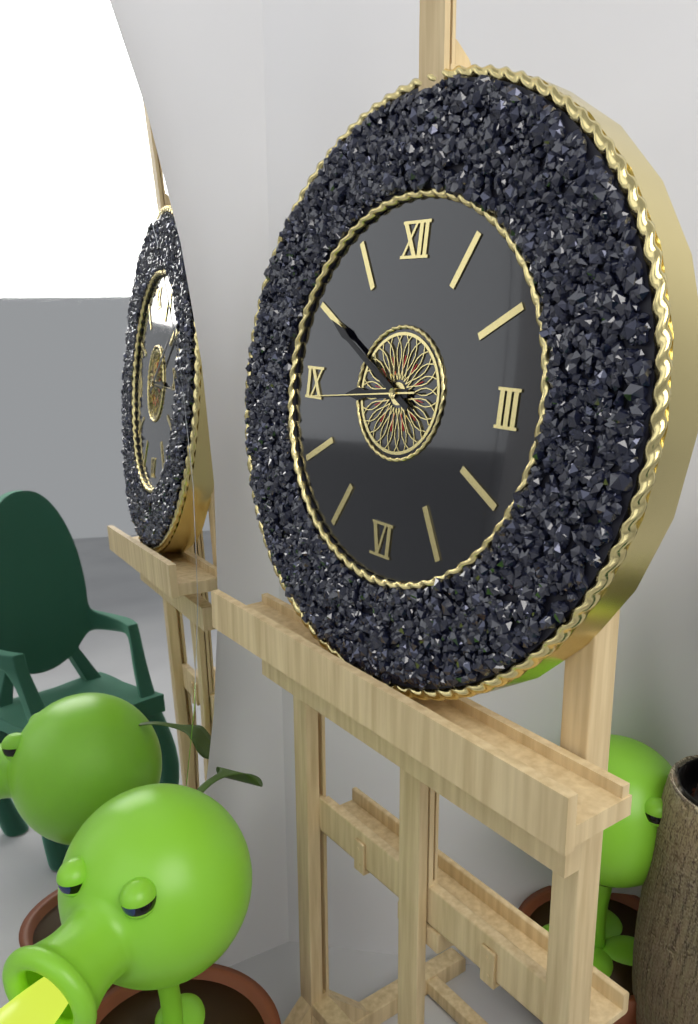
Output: {"hour": 8, "minute": 50, "second": 44}
